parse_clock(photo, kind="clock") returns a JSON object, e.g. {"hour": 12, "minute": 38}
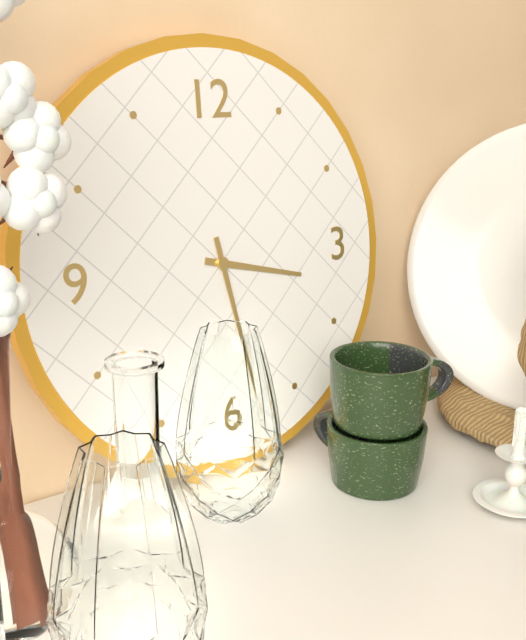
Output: {"hour": 3, "minute": 28}
